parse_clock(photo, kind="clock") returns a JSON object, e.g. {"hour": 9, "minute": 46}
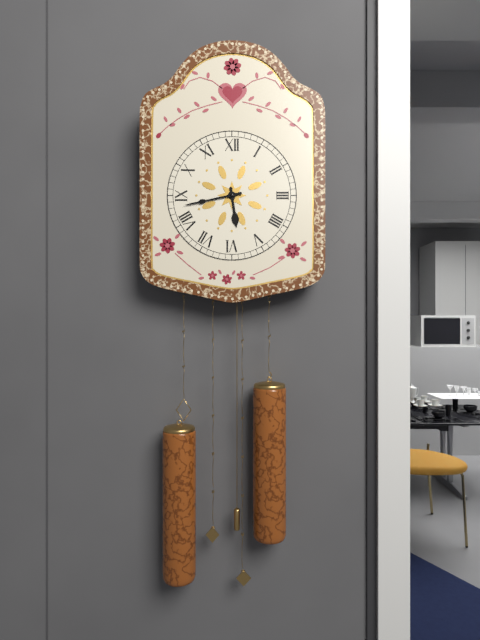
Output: {"hour": 5, "minute": 43}
